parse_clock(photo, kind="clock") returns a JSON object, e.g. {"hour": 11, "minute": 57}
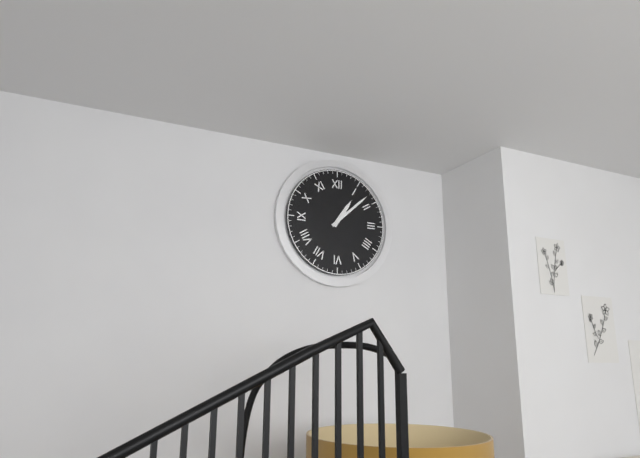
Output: {"hour": 1, "minute": 8}
